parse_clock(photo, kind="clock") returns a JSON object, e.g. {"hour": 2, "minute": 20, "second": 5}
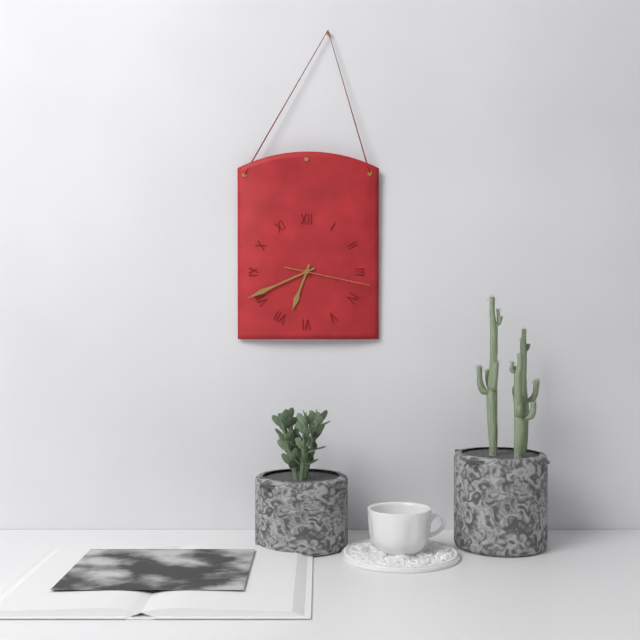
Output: {"hour": 6, "minute": 41, "second": 17}
